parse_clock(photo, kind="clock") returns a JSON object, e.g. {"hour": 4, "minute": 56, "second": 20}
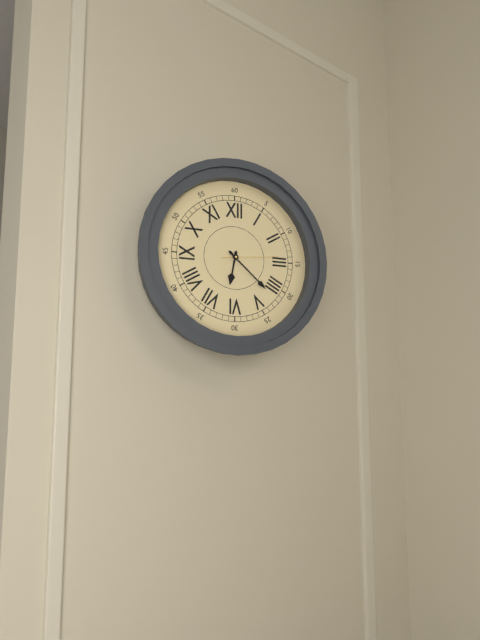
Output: {"hour": 6, "minute": 22, "second": 14}
